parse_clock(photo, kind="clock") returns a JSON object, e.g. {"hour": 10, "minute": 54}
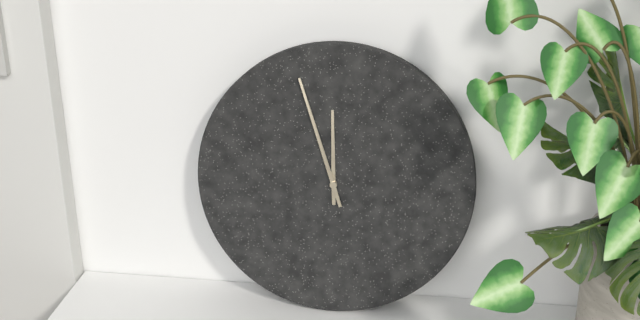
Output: {"hour": 11, "minute": 57}
